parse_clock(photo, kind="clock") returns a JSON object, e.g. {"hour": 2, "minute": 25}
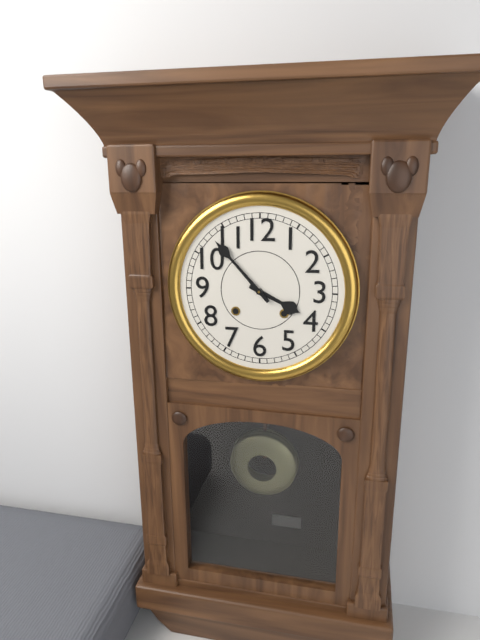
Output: {"hour": 3, "minute": 53}
